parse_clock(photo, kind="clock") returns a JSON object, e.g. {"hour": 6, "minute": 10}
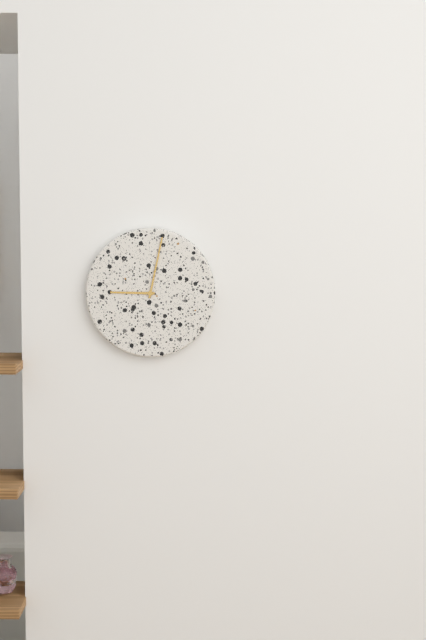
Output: {"hour": 9, "minute": 2}
